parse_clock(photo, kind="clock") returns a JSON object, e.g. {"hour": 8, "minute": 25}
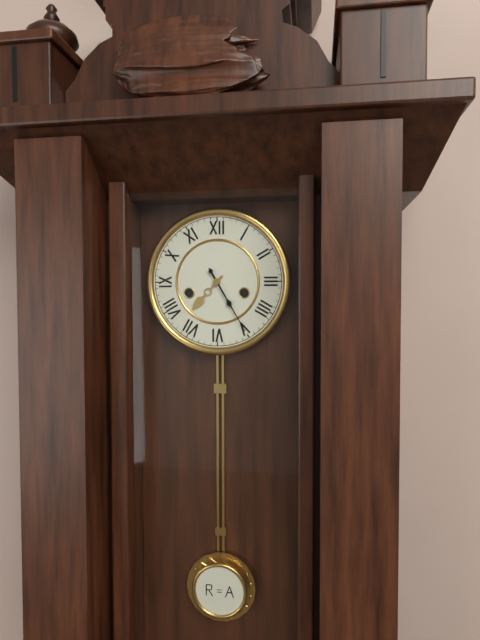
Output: {"hour": 7, "minute": 25}
